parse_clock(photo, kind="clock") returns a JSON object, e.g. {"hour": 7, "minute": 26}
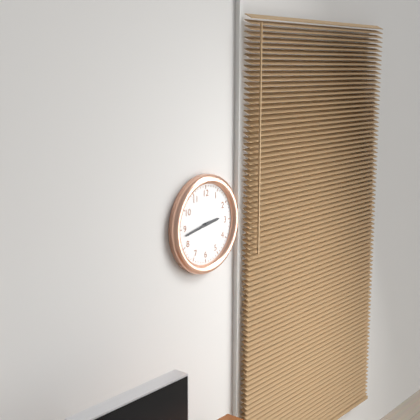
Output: {"hour": 2, "minute": 43}
